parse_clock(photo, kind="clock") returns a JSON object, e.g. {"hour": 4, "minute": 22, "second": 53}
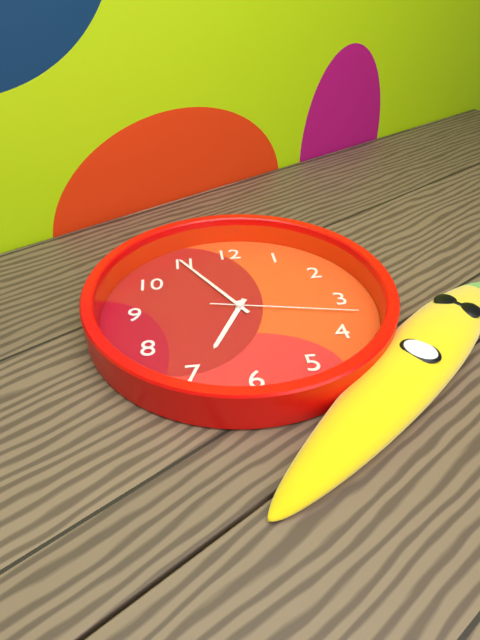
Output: {"hour": 6, "minute": 55, "second": 17}
